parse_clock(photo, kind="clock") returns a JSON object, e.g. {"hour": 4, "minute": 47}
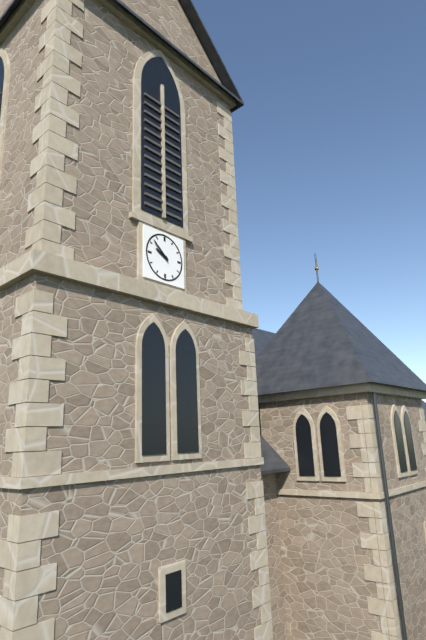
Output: {"hour": 9, "minute": 52}
